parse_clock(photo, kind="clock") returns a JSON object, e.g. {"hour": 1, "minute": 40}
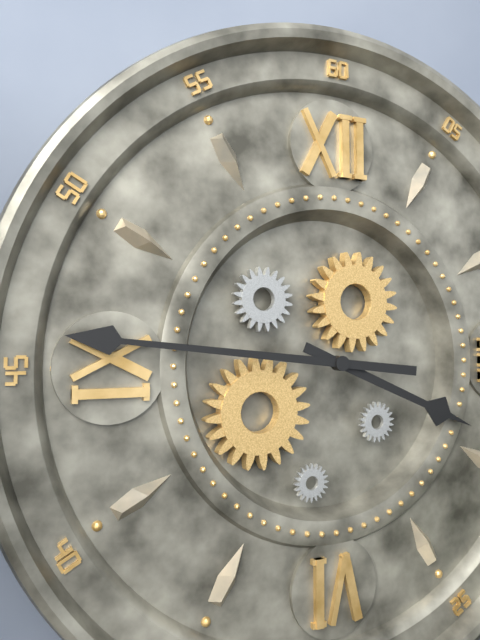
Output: {"hour": 3, "minute": 46}
